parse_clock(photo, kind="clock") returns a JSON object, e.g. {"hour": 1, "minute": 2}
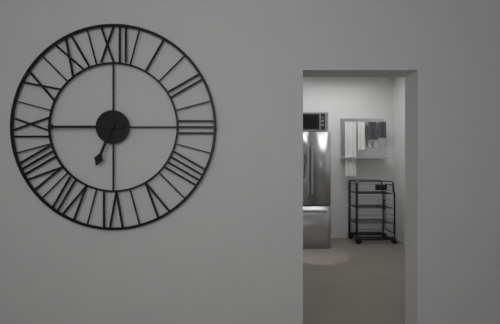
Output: {"hour": 6, "minute": 45}
